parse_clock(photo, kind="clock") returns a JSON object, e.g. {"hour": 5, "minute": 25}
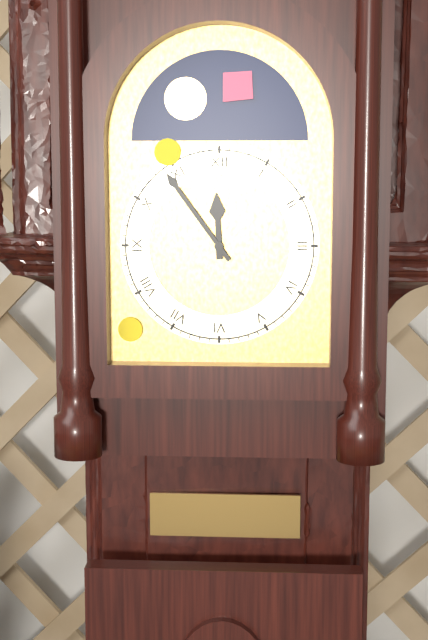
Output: {"hour": 11, "minute": 54}
